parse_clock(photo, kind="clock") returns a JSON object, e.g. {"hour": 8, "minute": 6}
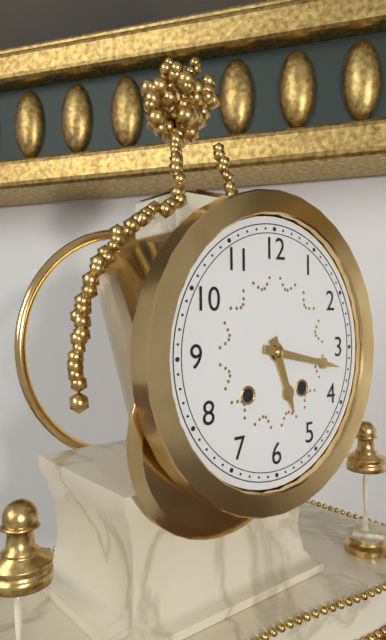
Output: {"hour": 5, "minute": 17}
